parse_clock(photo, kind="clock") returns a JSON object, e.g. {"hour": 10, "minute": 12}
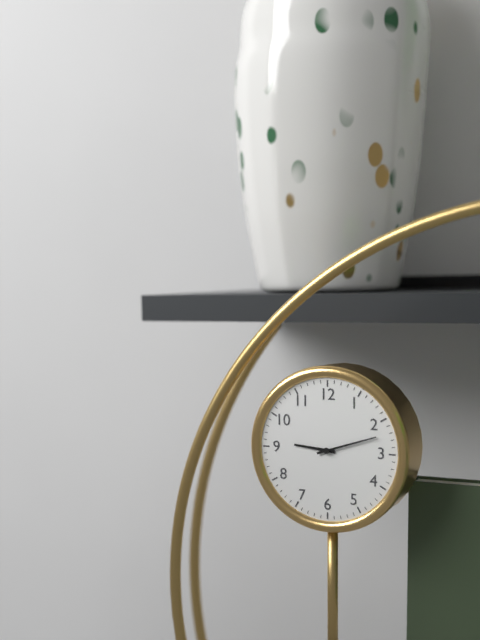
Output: {"hour": 9, "minute": 12}
